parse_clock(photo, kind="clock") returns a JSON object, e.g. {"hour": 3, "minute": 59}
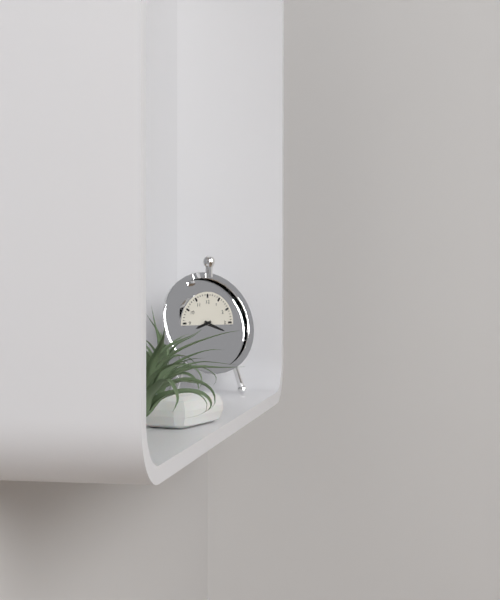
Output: {"hour": 8, "minute": 19}
